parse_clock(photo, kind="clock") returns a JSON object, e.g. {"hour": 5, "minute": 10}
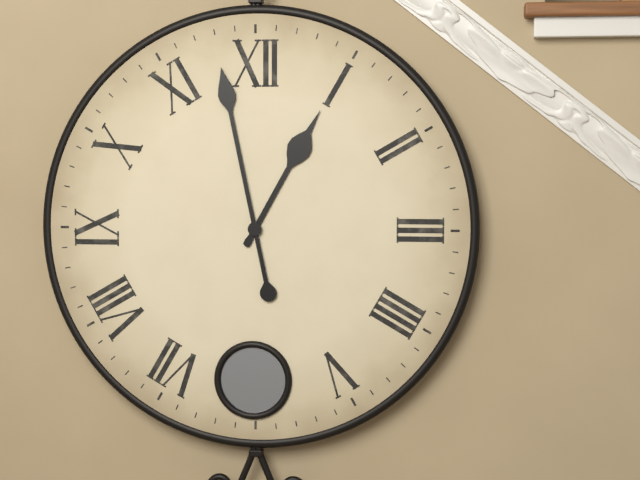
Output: {"hour": 12, "minute": 58}
